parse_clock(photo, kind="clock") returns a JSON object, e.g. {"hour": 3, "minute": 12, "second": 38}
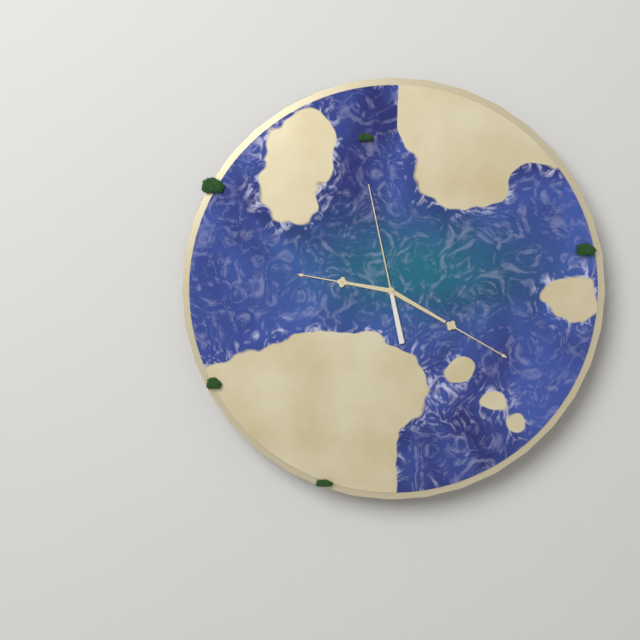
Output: {"hour": 9, "minute": 20, "second": 58}
